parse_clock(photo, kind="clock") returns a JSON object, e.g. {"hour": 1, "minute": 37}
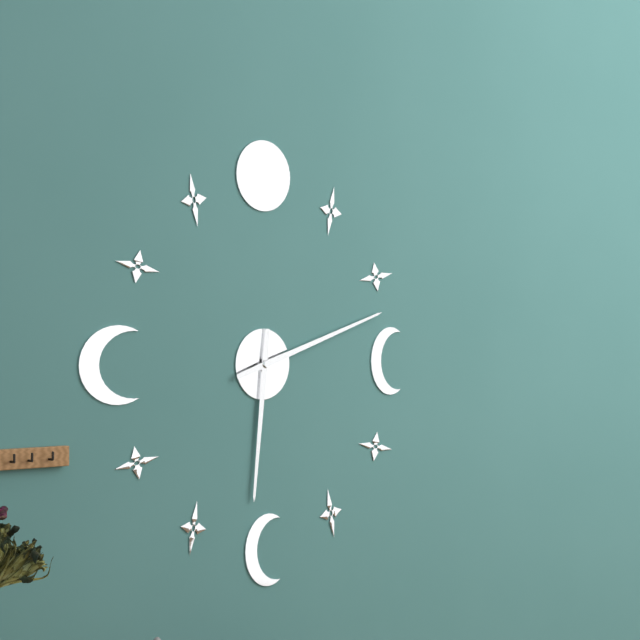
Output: {"hour": 6, "minute": 12}
